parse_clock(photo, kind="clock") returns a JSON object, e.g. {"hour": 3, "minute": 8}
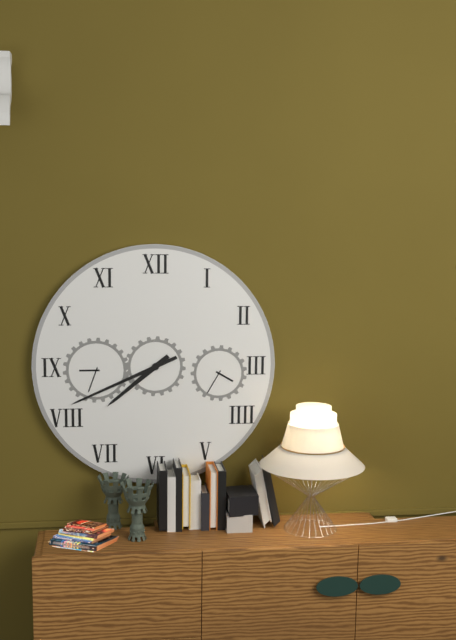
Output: {"hour": 7, "minute": 41}
